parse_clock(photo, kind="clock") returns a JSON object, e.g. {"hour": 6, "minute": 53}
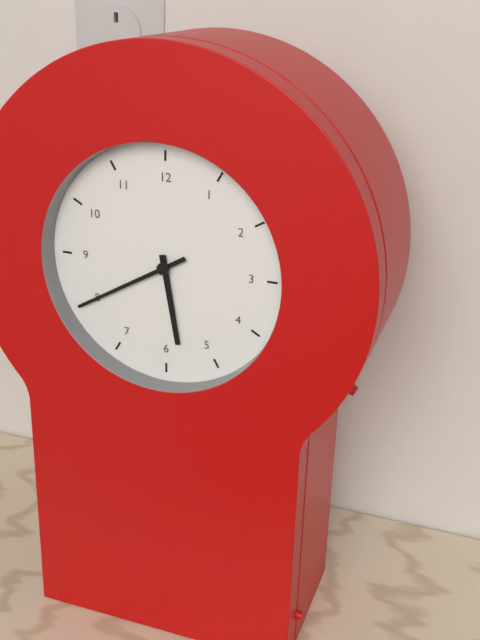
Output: {"hour": 5, "minute": 40}
